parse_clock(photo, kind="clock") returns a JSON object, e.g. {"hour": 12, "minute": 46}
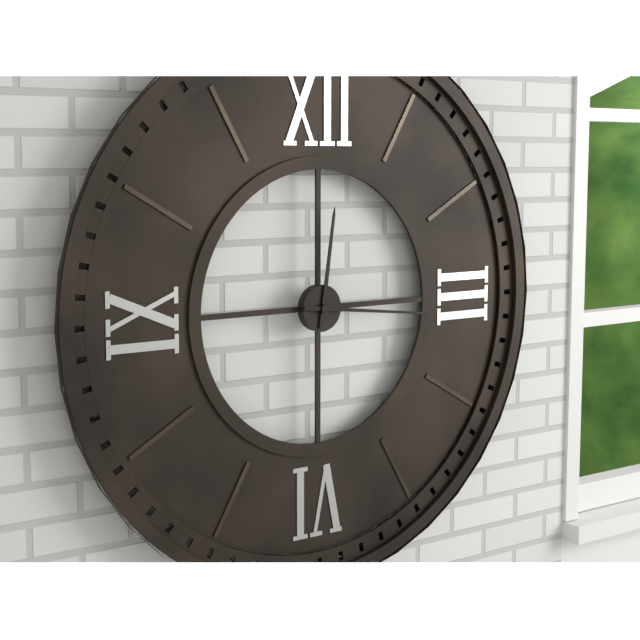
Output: {"hour": 12, "minute": 16}
